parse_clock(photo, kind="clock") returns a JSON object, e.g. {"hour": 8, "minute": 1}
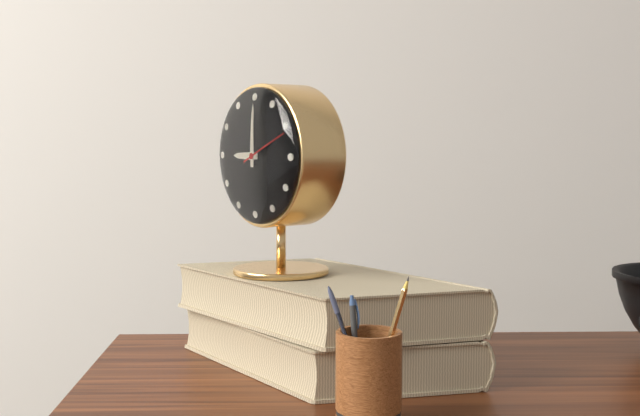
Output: {"hour": 9, "minute": 0}
